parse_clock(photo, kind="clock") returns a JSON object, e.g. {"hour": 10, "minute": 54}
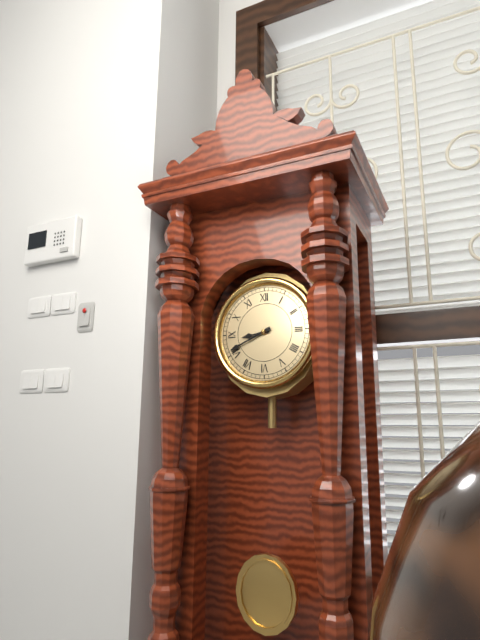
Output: {"hour": 8, "minute": 41}
